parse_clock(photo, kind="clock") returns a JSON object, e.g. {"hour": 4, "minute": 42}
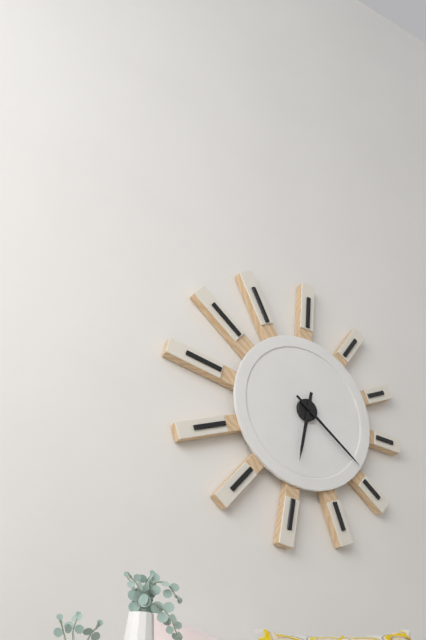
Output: {"hour": 6, "minute": 21}
